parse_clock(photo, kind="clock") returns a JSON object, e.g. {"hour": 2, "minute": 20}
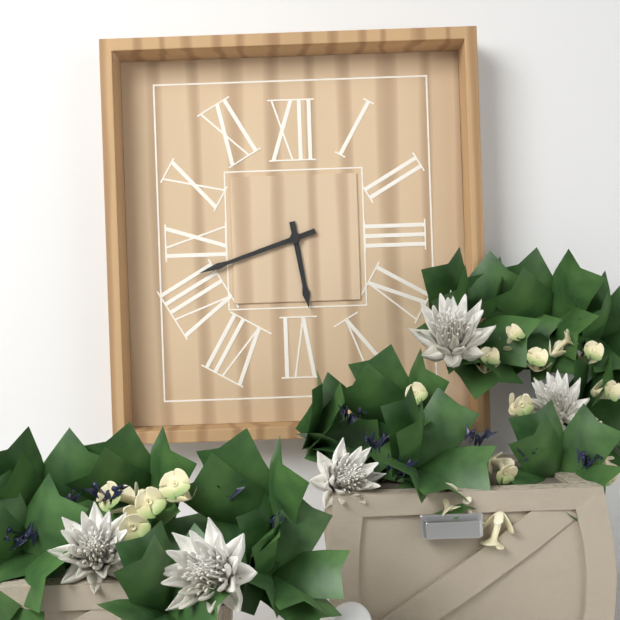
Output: {"hour": 5, "minute": 42}
